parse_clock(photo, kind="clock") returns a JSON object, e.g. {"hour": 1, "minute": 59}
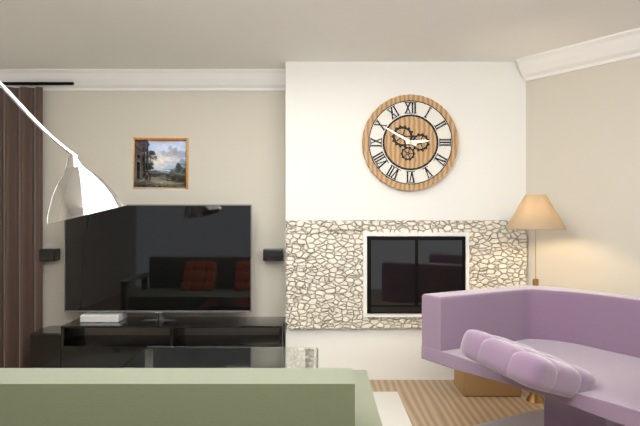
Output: {"hour": 2, "minute": 50}
